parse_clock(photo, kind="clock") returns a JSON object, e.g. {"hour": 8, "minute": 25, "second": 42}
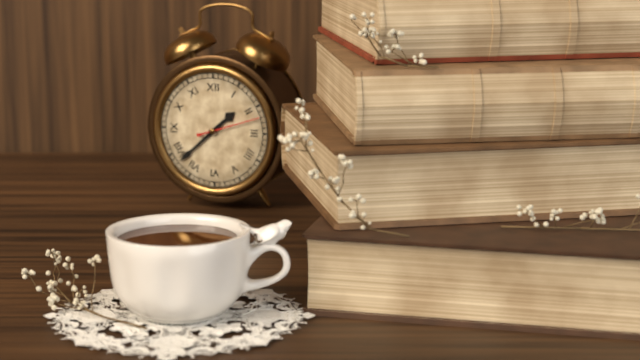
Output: {"hour": 1, "minute": 38, "second": 12}
